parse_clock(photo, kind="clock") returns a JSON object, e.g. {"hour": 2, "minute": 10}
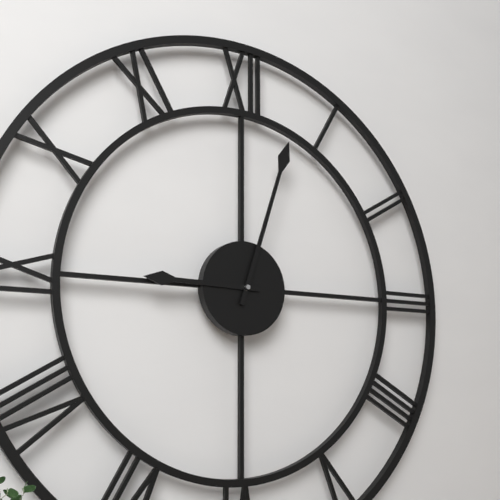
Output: {"hour": 9, "minute": 3}
